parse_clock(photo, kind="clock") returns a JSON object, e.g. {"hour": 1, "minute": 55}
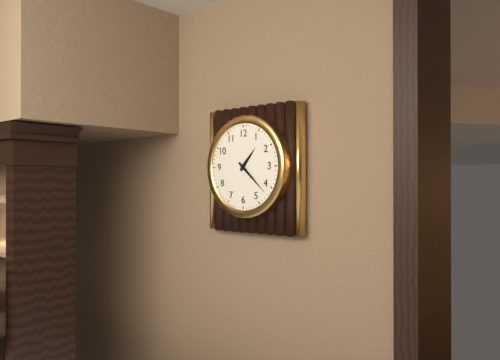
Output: {"hour": 1, "minute": 22}
